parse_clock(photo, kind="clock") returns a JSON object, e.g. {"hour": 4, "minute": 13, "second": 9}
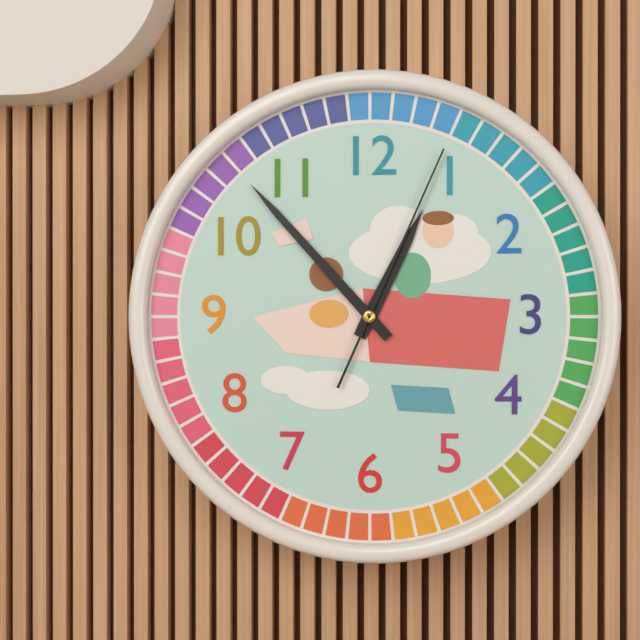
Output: {"hour": 12, "minute": 53, "second": 4}
